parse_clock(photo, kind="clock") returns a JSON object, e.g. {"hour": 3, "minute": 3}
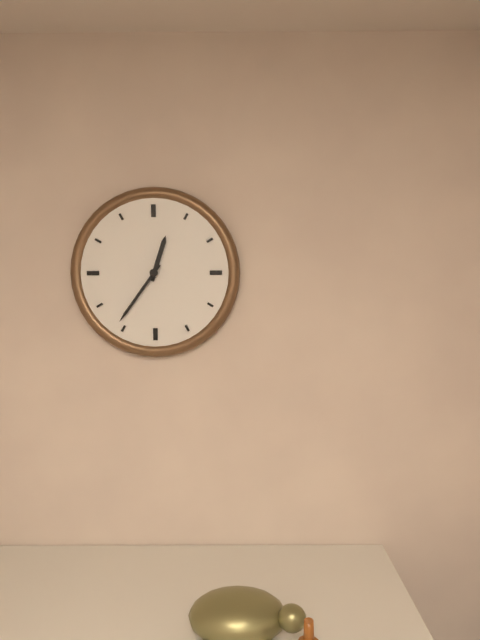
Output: {"hour": 12, "minute": 36}
